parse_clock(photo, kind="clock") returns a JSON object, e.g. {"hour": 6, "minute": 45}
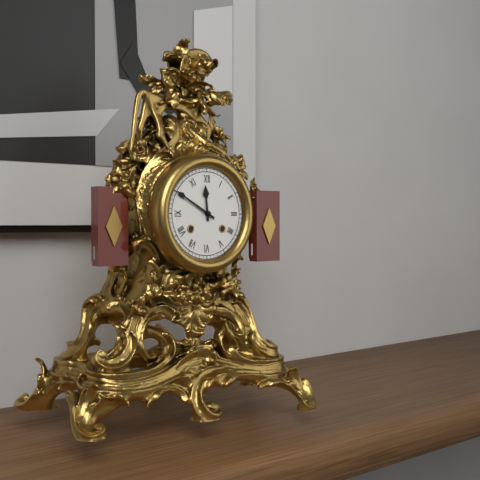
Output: {"hour": 11, "minute": 50}
